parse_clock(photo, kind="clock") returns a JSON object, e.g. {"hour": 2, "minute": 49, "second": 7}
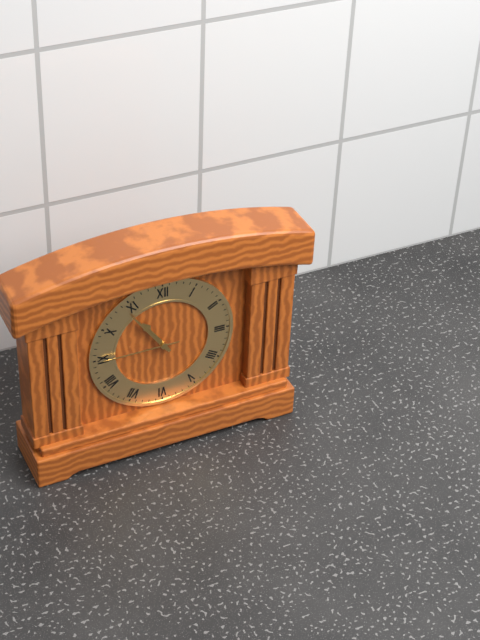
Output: {"hour": 10, "minute": 54, "second": 45}
